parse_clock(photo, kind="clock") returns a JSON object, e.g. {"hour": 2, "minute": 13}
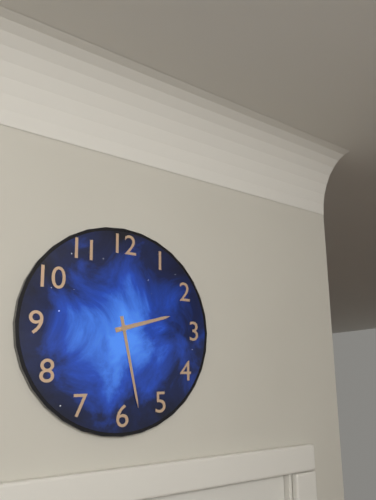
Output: {"hour": 2, "minute": 28}
